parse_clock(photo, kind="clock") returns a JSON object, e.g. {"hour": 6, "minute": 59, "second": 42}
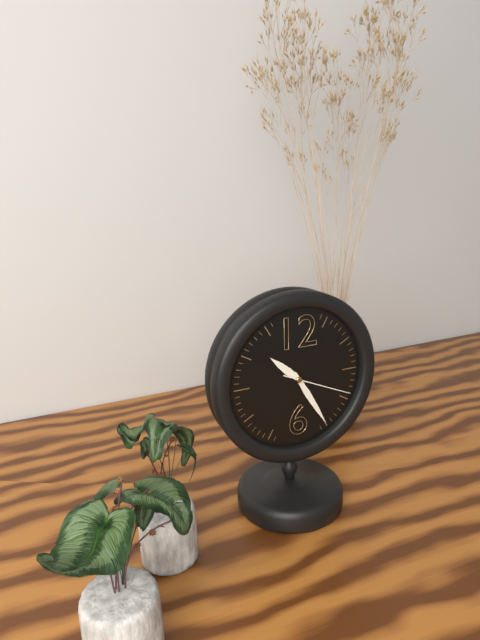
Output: {"hour": 10, "minute": 25, "second": 19}
